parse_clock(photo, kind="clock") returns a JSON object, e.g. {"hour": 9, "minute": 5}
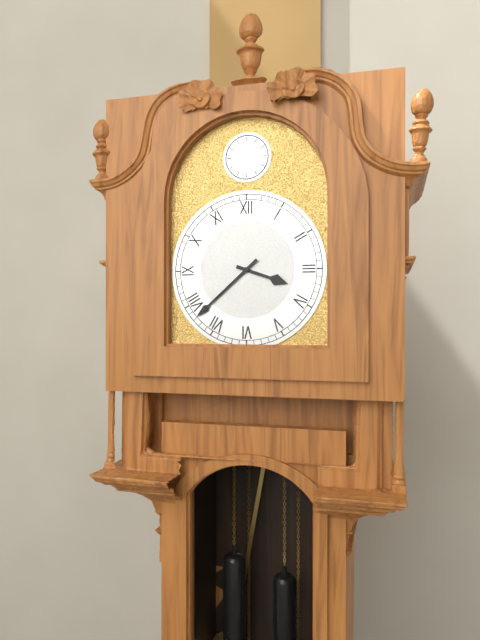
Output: {"hour": 3, "minute": 38}
